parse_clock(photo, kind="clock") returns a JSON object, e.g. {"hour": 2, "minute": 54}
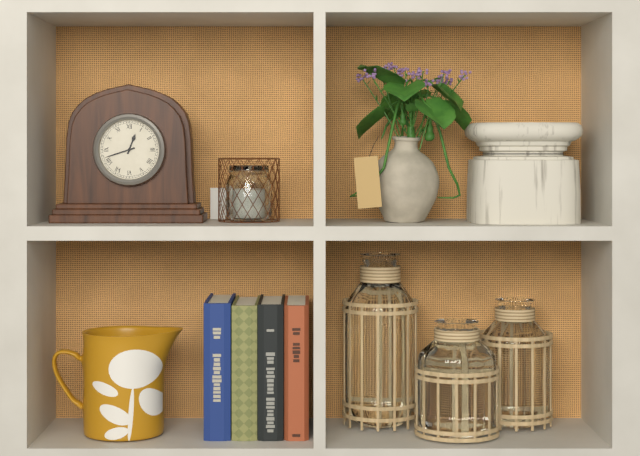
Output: {"hour": 12, "minute": 42}
